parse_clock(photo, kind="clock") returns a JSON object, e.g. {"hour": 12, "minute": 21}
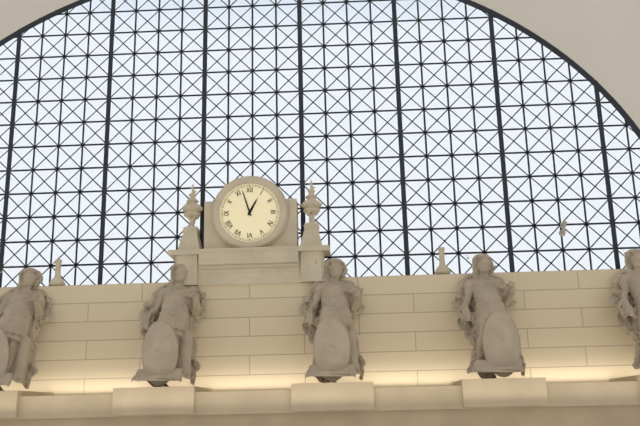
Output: {"hour": 12, "minute": 57}
